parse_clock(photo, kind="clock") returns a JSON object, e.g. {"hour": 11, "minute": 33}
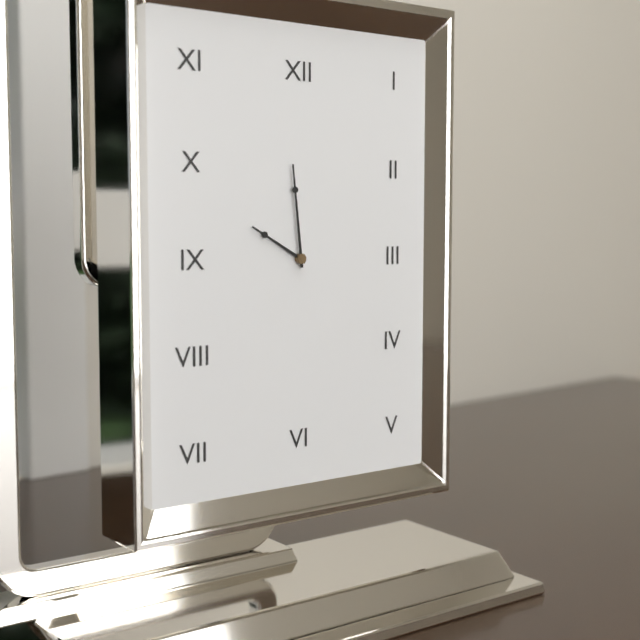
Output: {"hour": 9, "minute": 59}
